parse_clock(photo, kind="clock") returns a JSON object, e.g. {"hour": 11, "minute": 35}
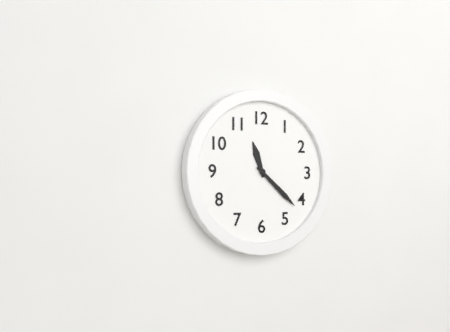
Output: {"hour": 11, "minute": 22}
